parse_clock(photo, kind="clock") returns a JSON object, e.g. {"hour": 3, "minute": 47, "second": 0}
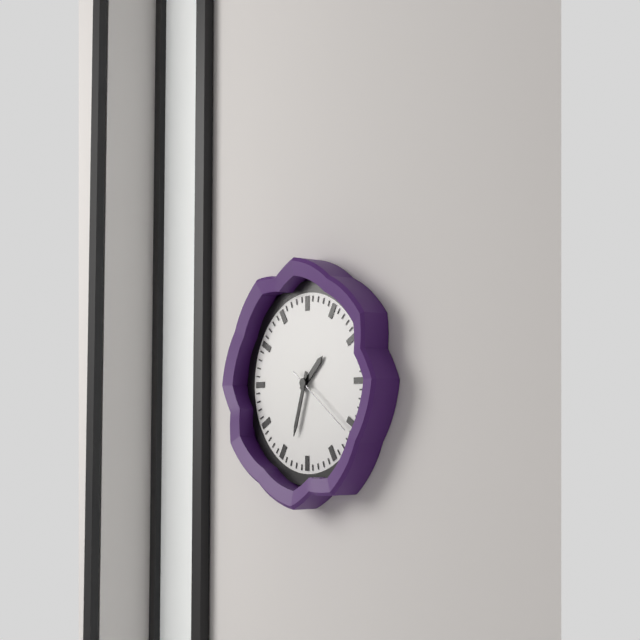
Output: {"hour": 1, "minute": 33, "second": 21}
